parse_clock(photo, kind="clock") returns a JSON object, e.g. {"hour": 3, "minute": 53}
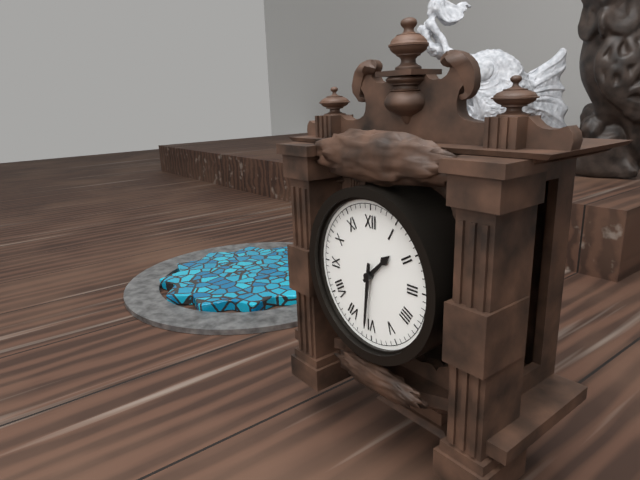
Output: {"hour": 1, "minute": 31}
